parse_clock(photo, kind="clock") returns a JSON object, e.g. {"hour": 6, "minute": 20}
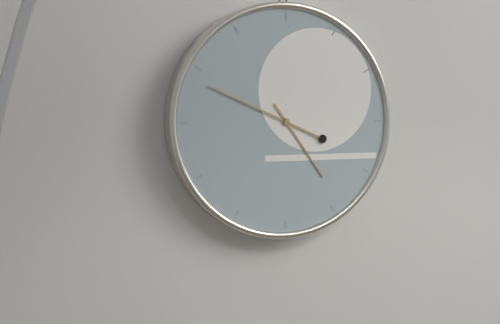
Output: {"hour": 4, "minute": 49}
